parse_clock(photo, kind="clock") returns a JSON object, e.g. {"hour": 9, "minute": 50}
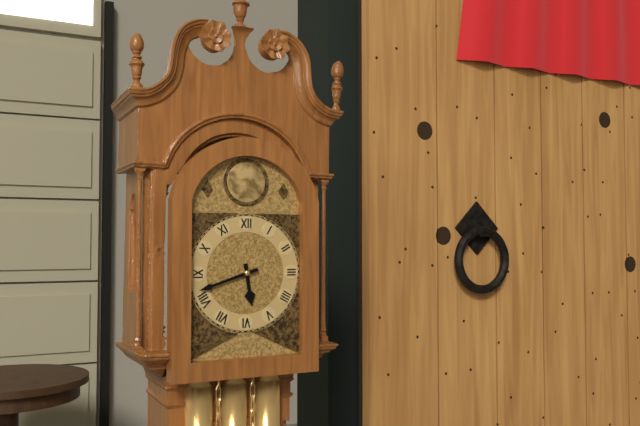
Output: {"hour": 5, "minute": 42}
